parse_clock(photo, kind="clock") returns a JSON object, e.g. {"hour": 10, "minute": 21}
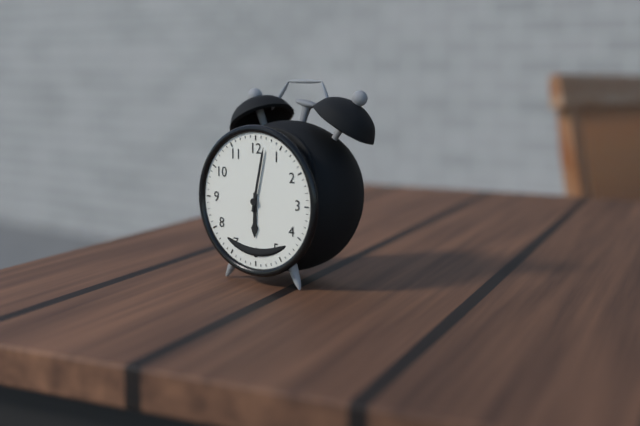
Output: {"hour": 6, "minute": 2}
